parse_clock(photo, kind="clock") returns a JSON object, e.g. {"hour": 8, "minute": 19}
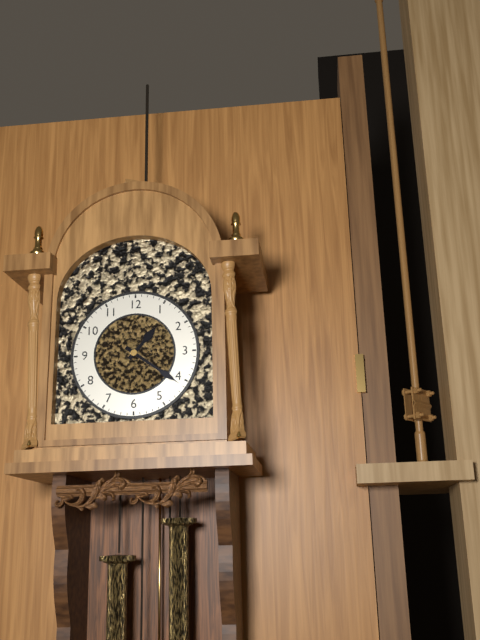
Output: {"hour": 1, "minute": 21}
